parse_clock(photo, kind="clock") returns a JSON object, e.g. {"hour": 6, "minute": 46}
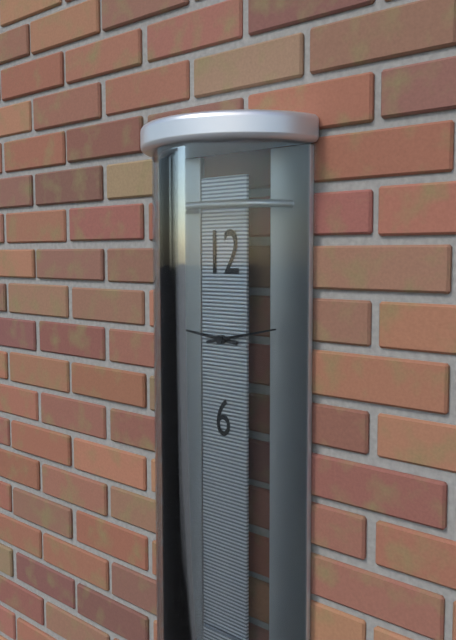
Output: {"hour": 9, "minute": 13}
